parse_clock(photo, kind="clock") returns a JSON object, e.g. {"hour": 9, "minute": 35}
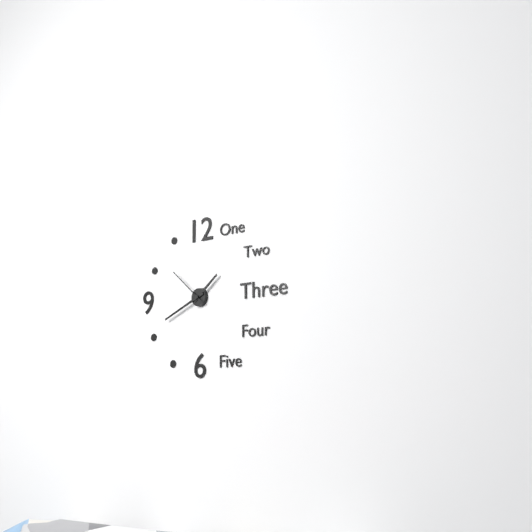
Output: {"hour": 1, "minute": 41}
